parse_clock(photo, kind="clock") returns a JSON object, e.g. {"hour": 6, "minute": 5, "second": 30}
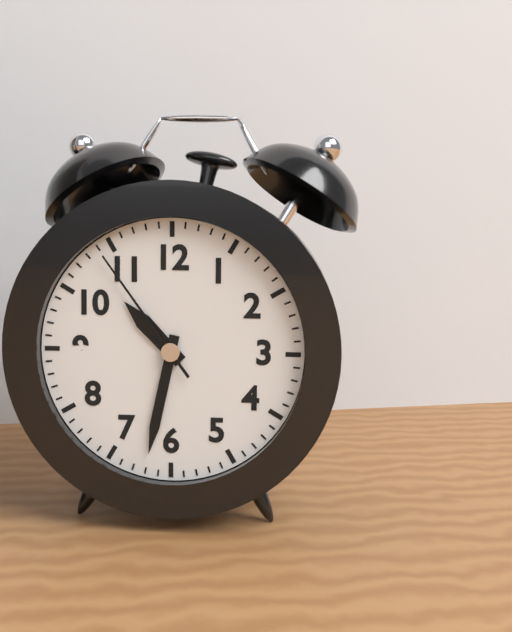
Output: {"hour": 10, "minute": 32, "second": 54}
